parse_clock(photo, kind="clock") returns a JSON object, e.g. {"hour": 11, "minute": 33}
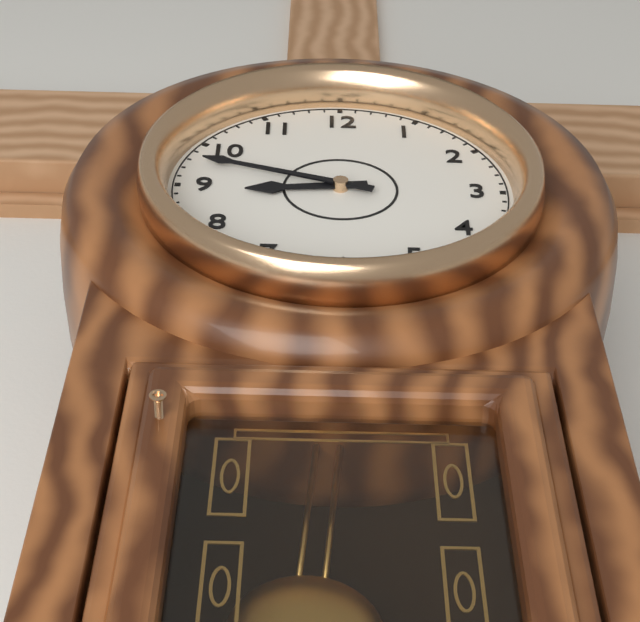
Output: {"hour": 8, "minute": 48}
